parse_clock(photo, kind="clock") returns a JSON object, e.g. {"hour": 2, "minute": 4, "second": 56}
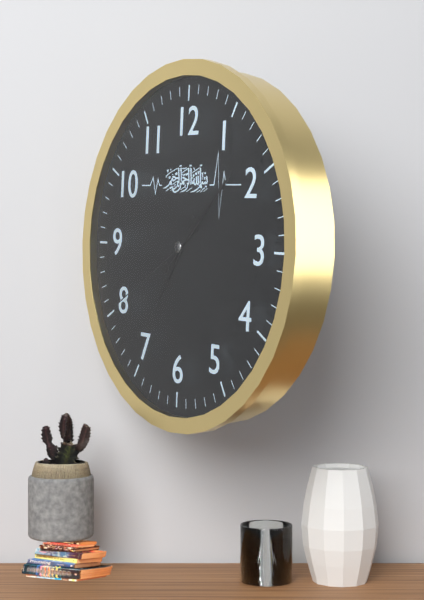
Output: {"hour": 7, "minute": 8, "second": 40}
